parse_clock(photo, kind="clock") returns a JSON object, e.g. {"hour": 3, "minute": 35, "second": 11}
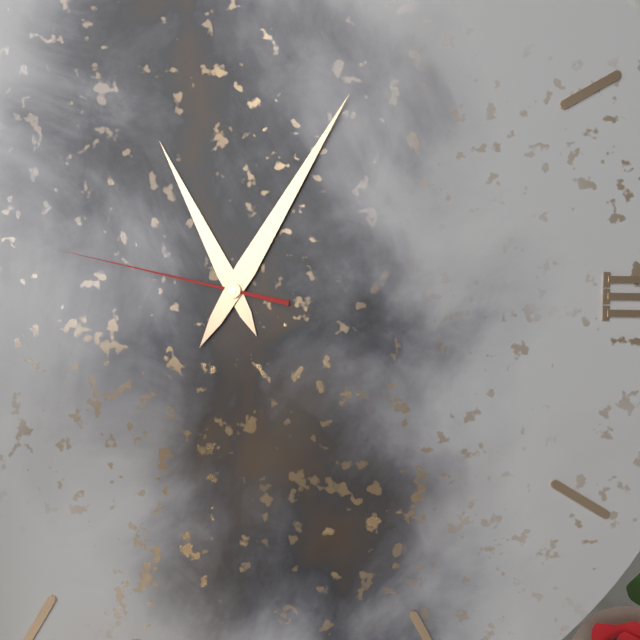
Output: {"hour": 11, "minute": 5, "second": 47}
